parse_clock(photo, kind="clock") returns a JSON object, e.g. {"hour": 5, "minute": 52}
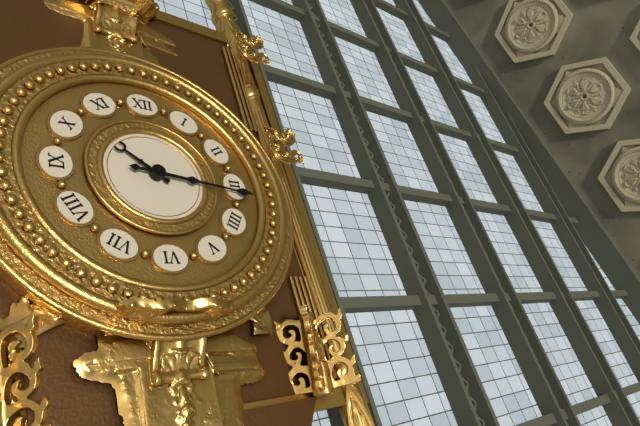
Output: {"hour": 10, "minute": 16}
